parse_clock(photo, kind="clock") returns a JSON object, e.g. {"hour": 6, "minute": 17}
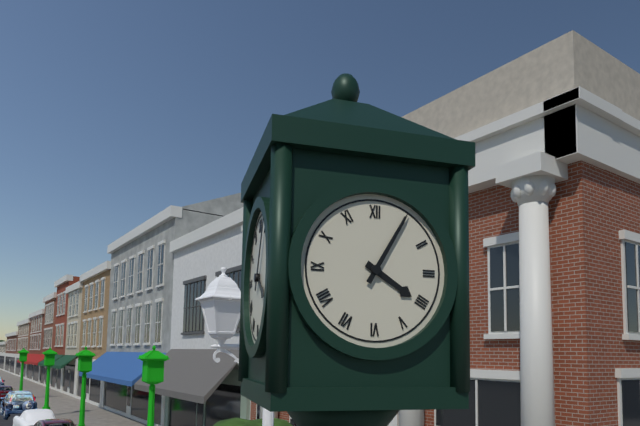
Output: {"hour": 4, "minute": 5}
